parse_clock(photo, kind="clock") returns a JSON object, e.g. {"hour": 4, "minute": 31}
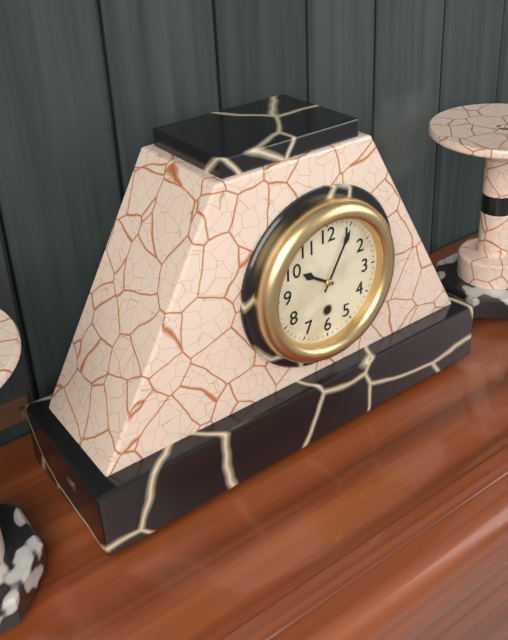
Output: {"hour": 10, "minute": 5}
